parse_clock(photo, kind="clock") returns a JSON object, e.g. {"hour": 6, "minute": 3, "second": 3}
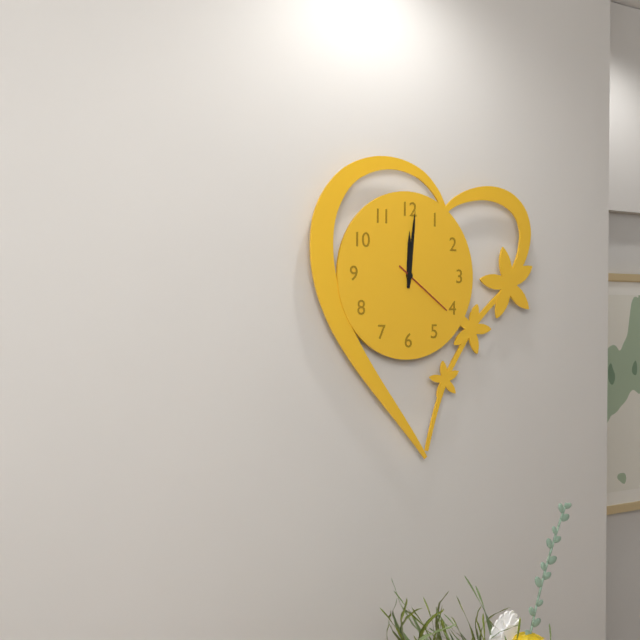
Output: {"hour": 12, "minute": 1, "second": 21}
